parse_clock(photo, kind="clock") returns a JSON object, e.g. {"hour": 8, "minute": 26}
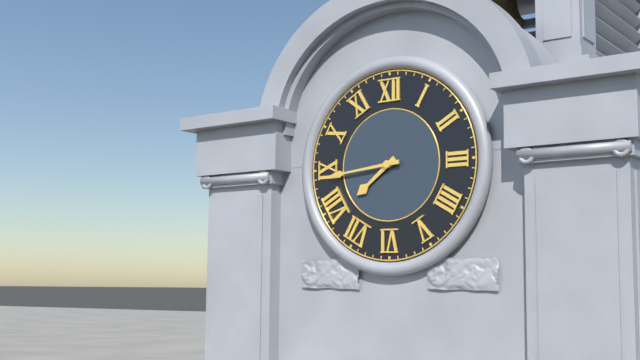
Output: {"hour": 7, "minute": 44}
